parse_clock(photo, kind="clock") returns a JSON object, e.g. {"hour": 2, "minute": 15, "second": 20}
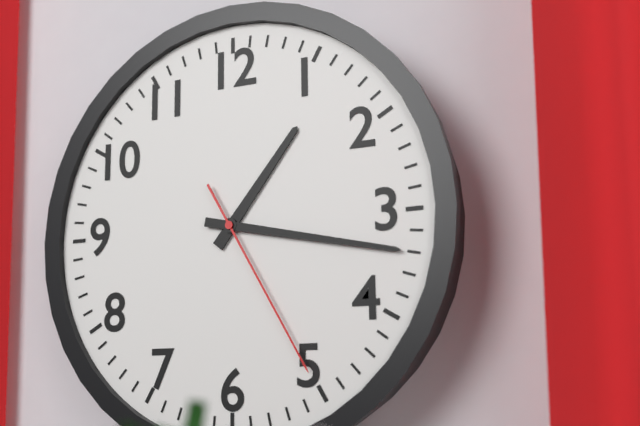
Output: {"hour": 1, "minute": 17, "second": 25}
